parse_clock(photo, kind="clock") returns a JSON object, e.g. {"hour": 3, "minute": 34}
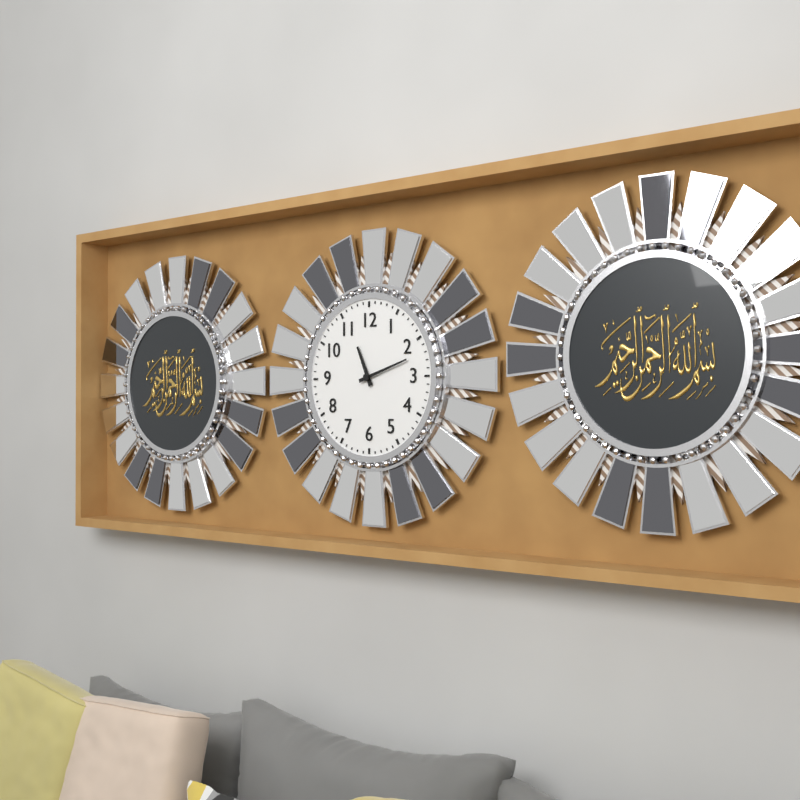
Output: {"hour": 11, "minute": 12}
